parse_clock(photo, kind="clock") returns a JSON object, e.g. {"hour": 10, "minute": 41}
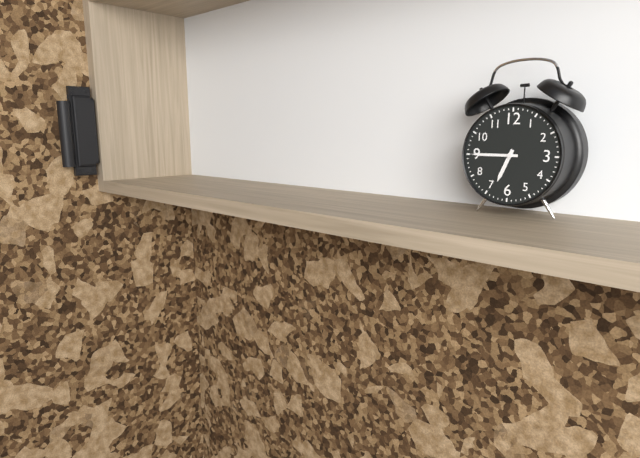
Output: {"hour": 6, "minute": 45}
